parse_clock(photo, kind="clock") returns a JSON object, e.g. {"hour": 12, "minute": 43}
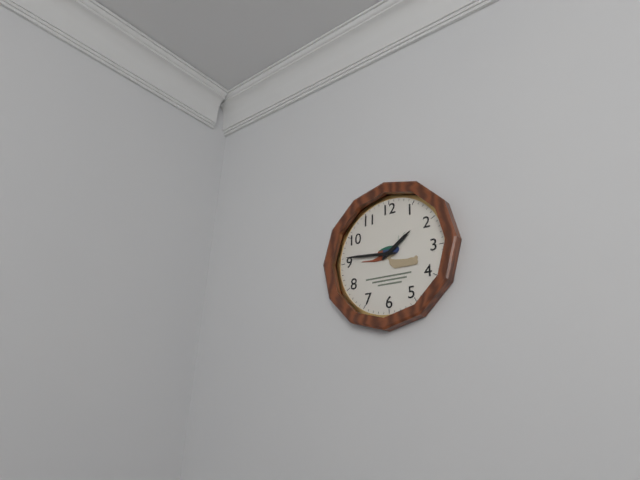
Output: {"hour": 1, "minute": 46}
